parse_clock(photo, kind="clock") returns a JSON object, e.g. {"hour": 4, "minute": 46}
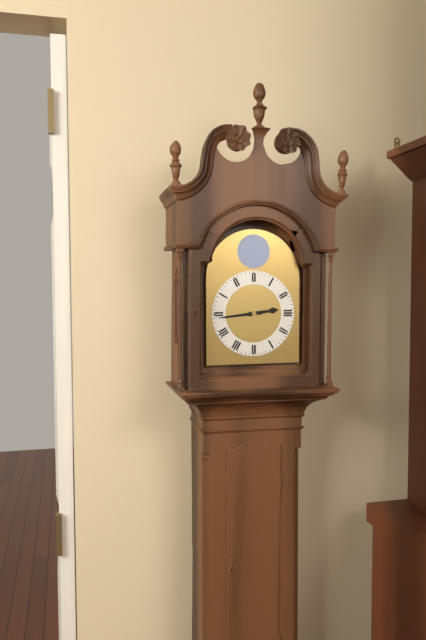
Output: {"hour": 2, "minute": 44}
